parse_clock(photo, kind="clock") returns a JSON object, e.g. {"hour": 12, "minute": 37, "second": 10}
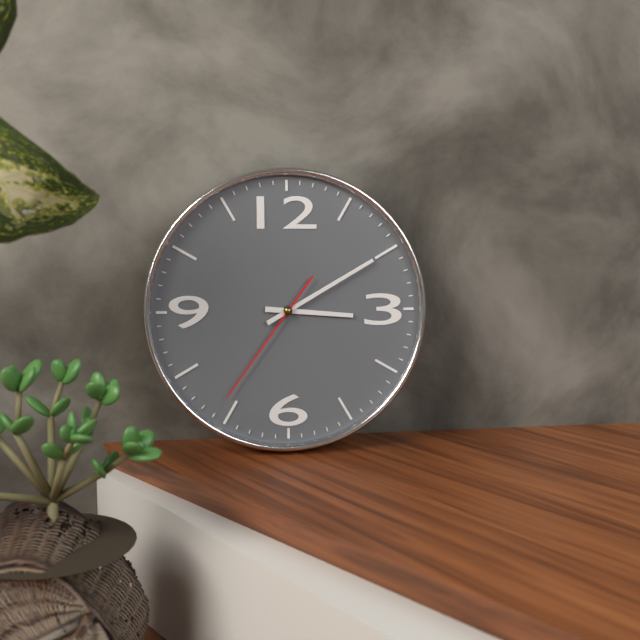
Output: {"hour": 3, "minute": 10, "second": 36}
